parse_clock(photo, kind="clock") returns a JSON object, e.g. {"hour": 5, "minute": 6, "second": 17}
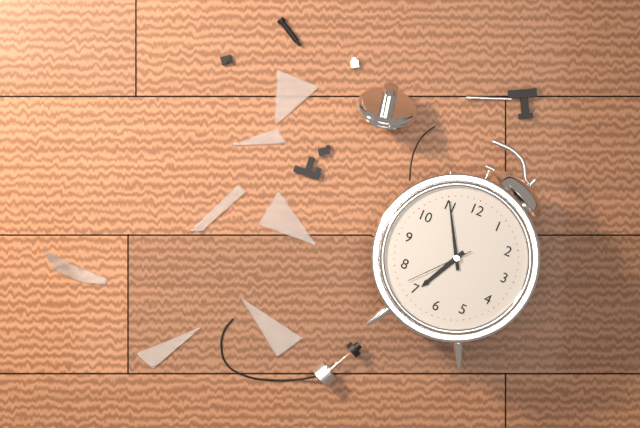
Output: {"hour": 6, "minute": 55, "second": 37}
